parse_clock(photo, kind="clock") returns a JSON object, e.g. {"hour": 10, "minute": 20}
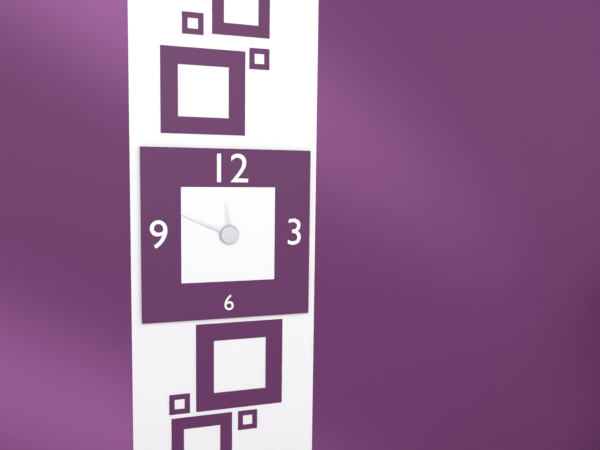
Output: {"hour": 11, "minute": 49}
